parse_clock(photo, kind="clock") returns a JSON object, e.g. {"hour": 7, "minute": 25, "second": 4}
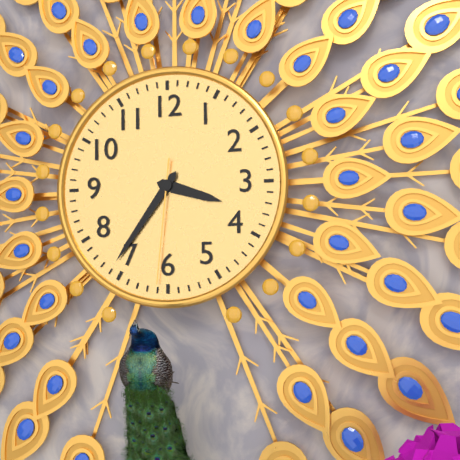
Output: {"hour": 3, "minute": 36, "second": 31}
